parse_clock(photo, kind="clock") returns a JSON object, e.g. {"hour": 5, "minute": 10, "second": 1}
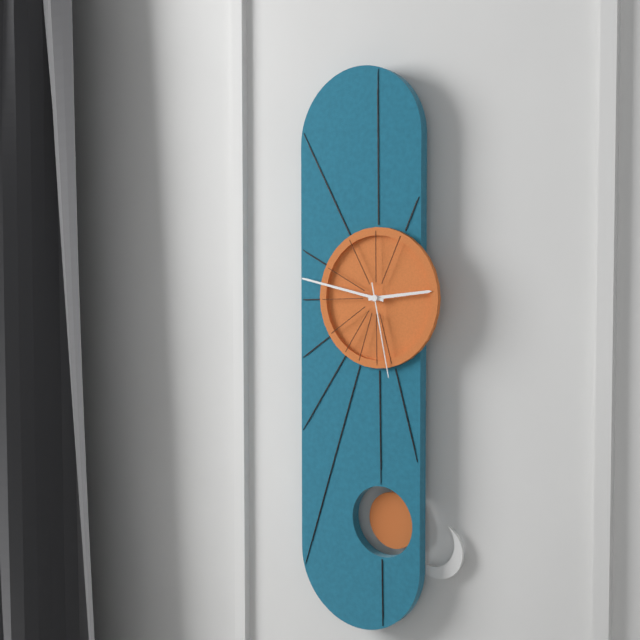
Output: {"hour": 2, "minute": 47, "second": 28}
